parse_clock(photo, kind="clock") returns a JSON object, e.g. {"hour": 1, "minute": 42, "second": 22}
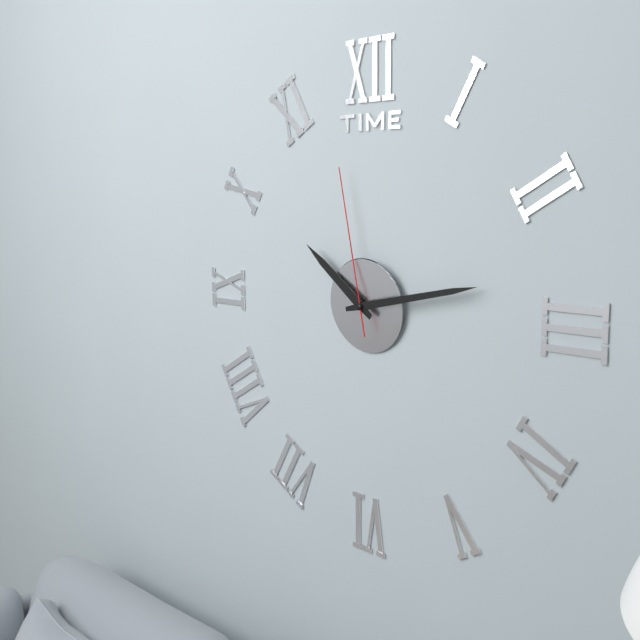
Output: {"hour": 10, "minute": 13, "second": 58}
